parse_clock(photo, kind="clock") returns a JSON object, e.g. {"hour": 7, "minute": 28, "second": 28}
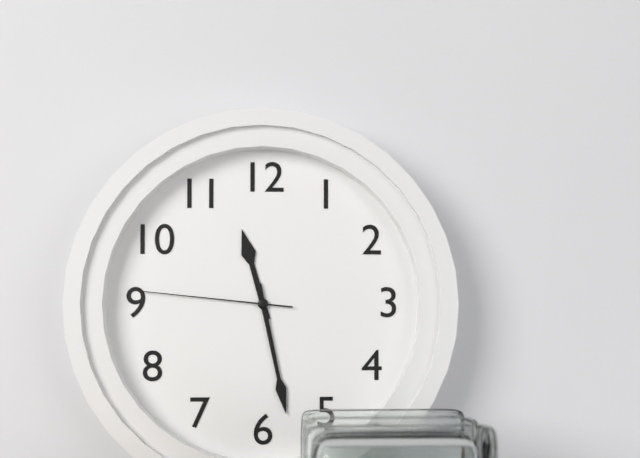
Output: {"hour": 11, "minute": 28, "second": 46}
